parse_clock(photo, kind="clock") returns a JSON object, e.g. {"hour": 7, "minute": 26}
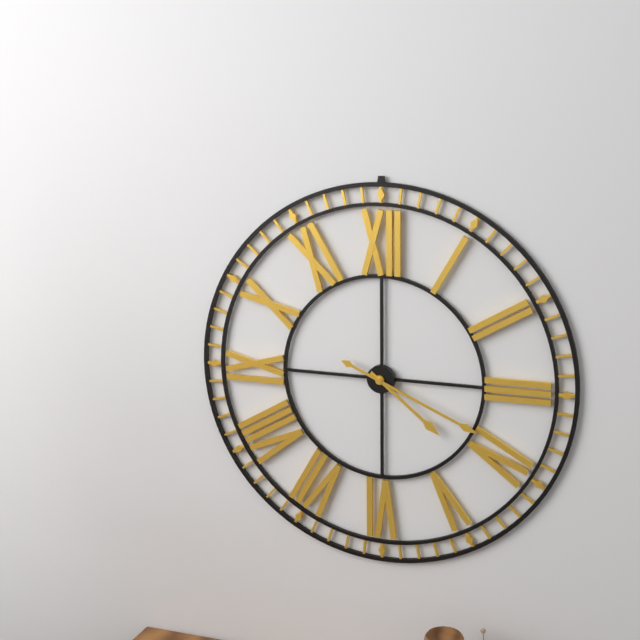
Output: {"hour": 4, "minute": 19}
